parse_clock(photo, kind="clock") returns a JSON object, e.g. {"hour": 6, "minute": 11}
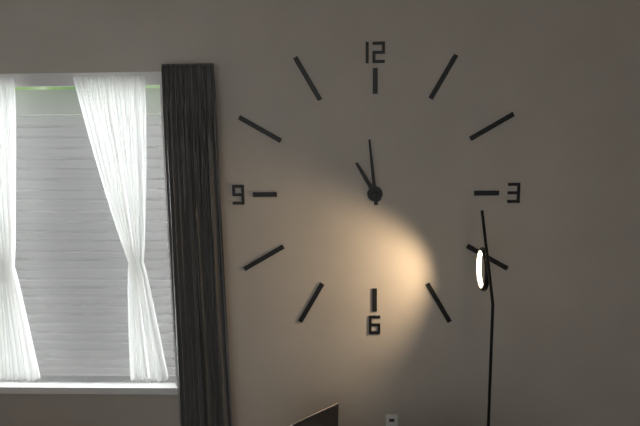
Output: {"hour": 10, "minute": 59}
